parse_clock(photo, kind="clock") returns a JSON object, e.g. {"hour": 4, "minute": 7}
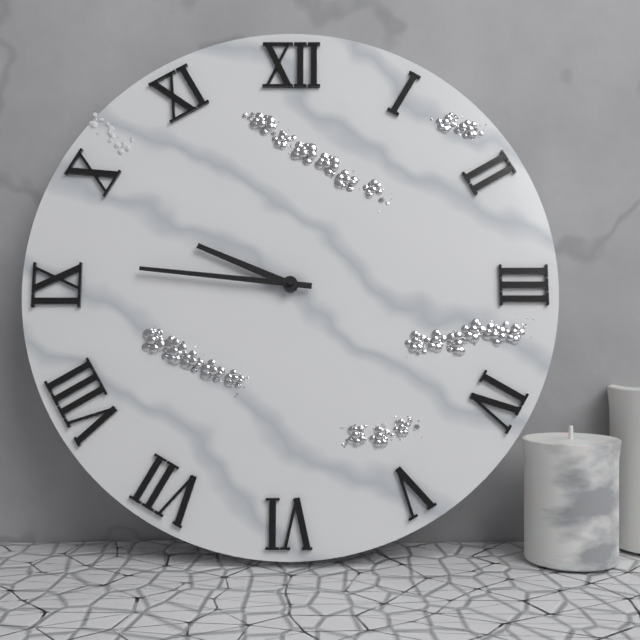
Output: {"hour": 9, "minute": 46}
